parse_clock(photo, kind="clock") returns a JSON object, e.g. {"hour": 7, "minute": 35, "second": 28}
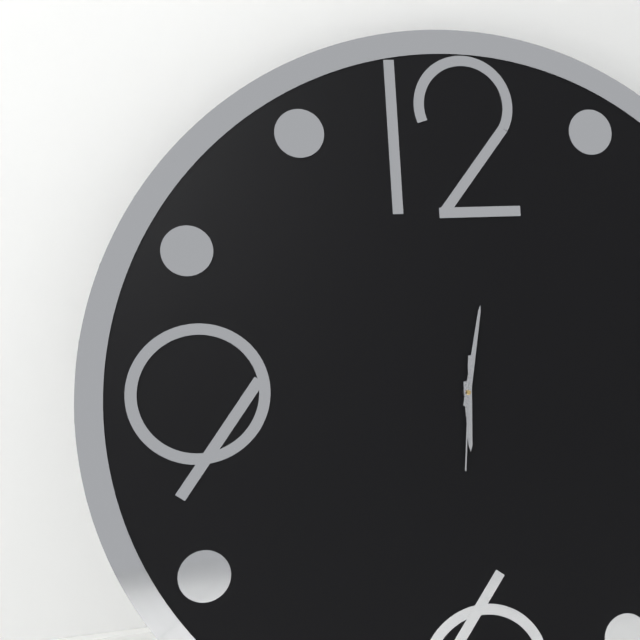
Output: {"hour": 6, "minute": 2, "second": 31}
